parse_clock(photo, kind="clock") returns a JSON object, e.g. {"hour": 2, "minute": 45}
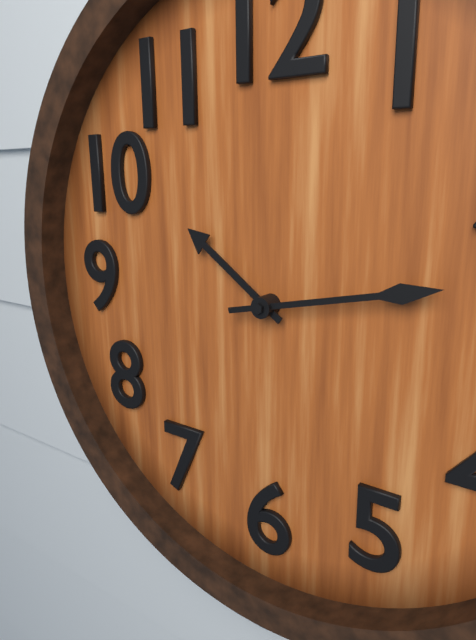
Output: {"hour": 10, "minute": 13}
